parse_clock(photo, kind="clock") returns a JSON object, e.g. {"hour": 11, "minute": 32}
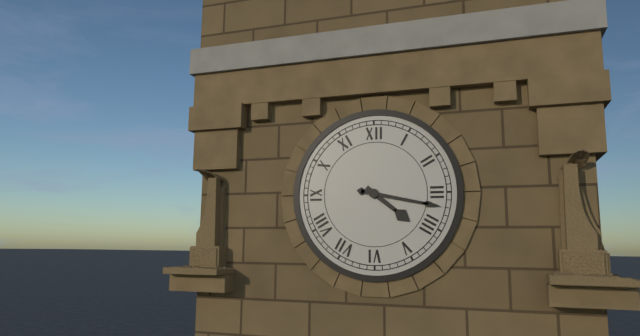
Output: {"hour": 4, "minute": 17}
